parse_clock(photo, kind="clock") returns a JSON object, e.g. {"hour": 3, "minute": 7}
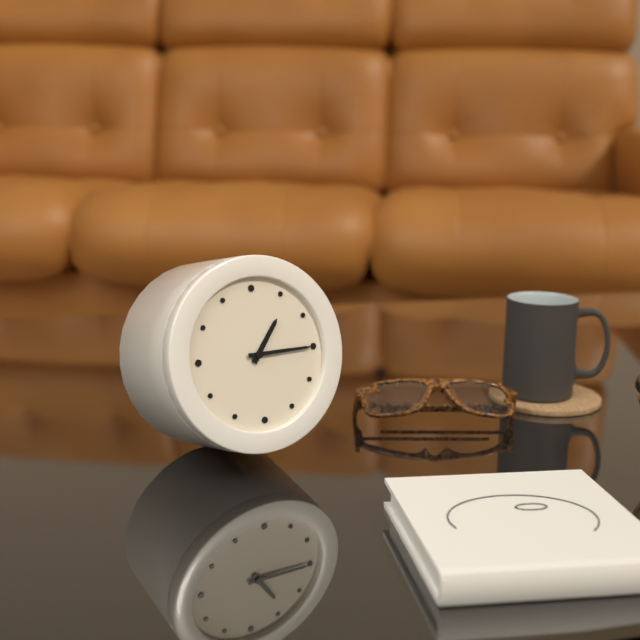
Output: {"hour": 1, "minute": 15}
